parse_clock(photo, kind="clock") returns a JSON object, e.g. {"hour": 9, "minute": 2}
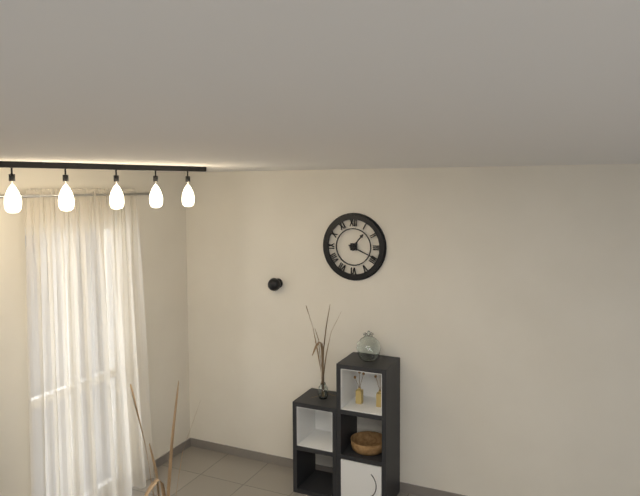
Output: {"hour": 1, "minute": 19}
